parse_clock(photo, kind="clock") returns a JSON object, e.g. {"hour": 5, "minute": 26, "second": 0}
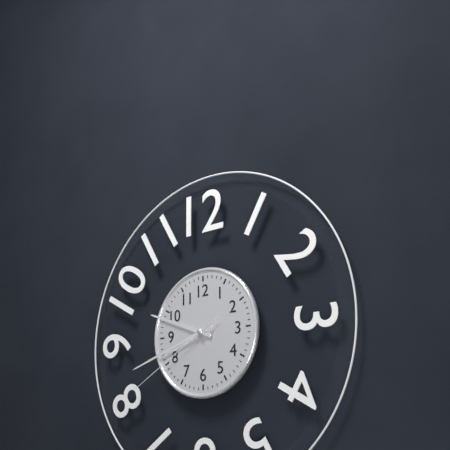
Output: {"hour": 9, "minute": 42, "second": 40}
